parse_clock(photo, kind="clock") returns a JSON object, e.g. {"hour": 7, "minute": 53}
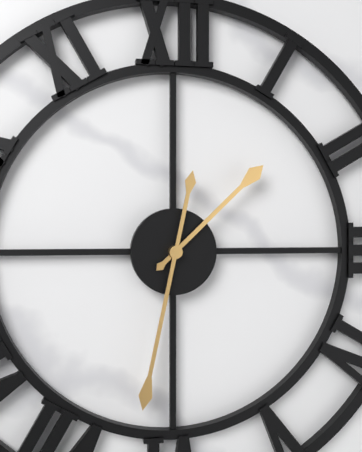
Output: {"hour": 1, "minute": 32}
